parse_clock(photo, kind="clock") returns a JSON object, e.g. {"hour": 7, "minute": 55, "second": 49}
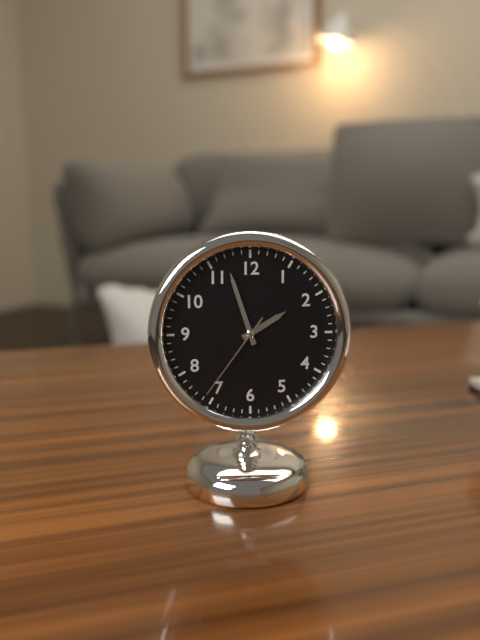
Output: {"hour": 1, "minute": 57, "second": 36}
